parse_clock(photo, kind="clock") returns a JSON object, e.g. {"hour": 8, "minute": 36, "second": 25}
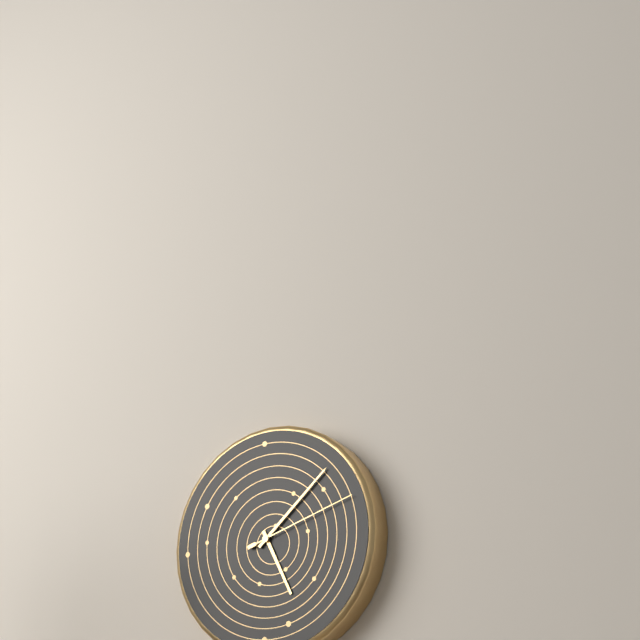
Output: {"hour": 5, "minute": 8, "second": 12}
